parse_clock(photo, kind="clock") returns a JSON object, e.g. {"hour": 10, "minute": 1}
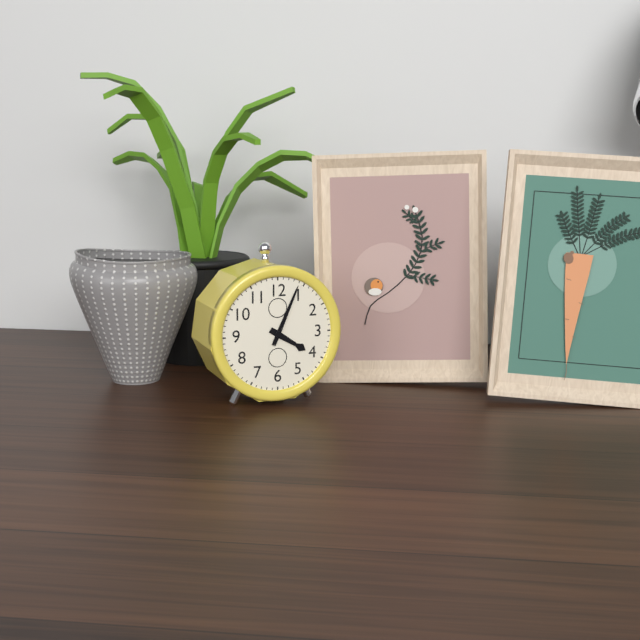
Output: {"hour": 4, "minute": 4}
